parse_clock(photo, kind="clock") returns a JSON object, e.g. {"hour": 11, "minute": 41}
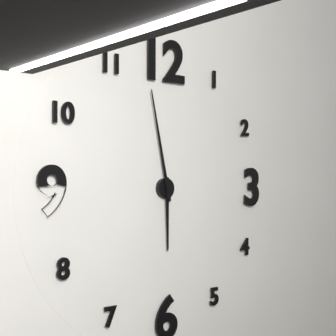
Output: {"hour": 5, "minute": 58}
